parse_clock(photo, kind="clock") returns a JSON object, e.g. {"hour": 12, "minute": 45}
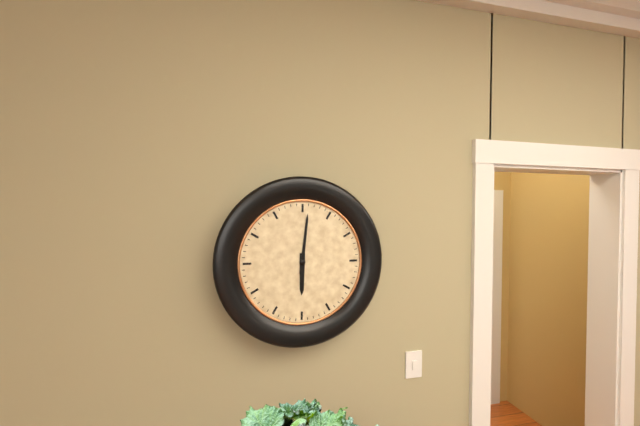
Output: {"hour": 6, "minute": 1}
